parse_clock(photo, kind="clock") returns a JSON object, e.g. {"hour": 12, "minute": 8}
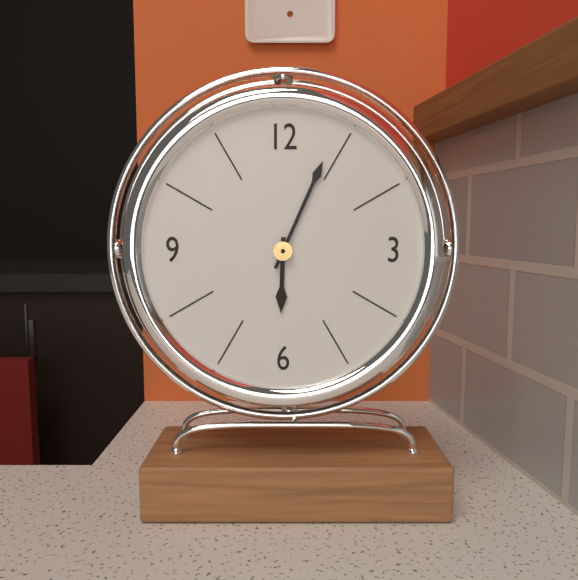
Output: {"hour": 6, "minute": 4}
